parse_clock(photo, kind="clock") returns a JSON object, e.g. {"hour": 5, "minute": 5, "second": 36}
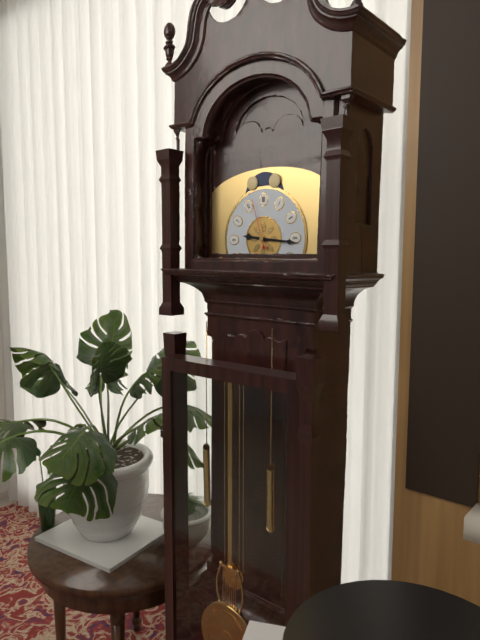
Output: {"hour": 9, "minute": 16, "second": 57}
